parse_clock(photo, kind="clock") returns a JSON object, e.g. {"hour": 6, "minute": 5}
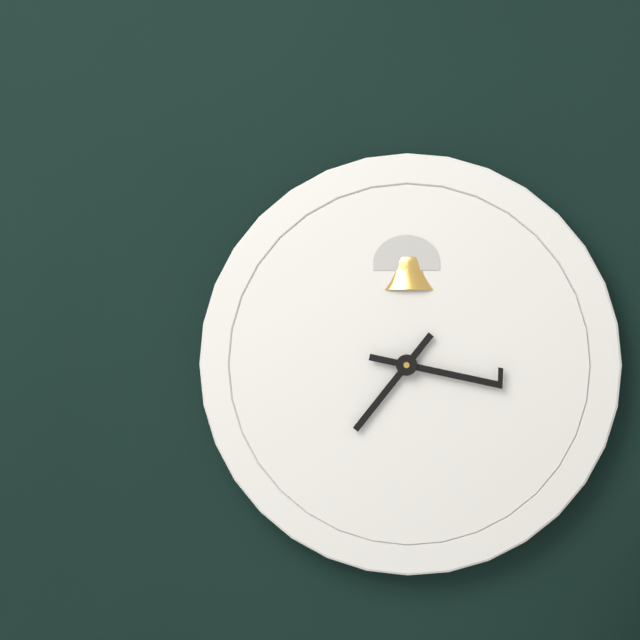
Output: {"hour": 7, "minute": 17}
